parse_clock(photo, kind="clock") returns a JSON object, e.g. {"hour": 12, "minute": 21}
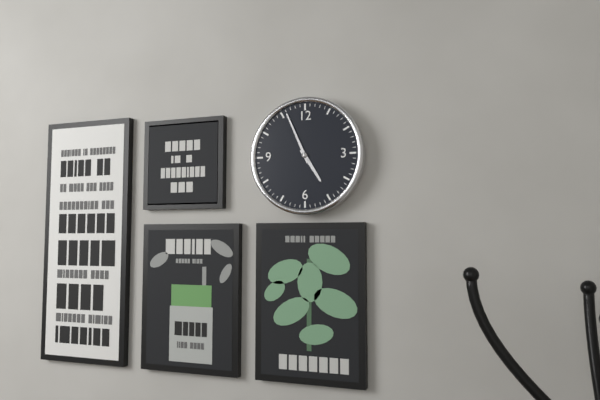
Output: {"hour": 4, "minute": 56}
